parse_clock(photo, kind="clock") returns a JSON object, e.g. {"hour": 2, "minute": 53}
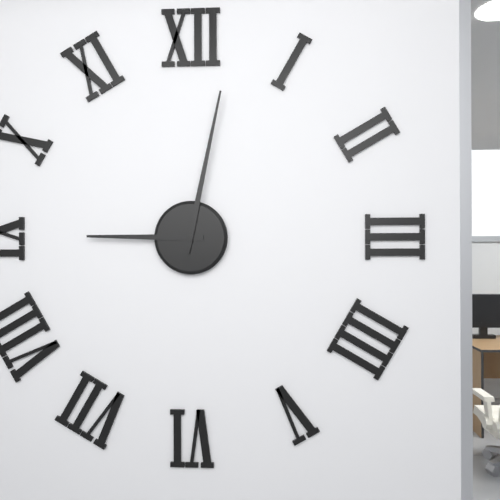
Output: {"hour": 9, "minute": 2}
